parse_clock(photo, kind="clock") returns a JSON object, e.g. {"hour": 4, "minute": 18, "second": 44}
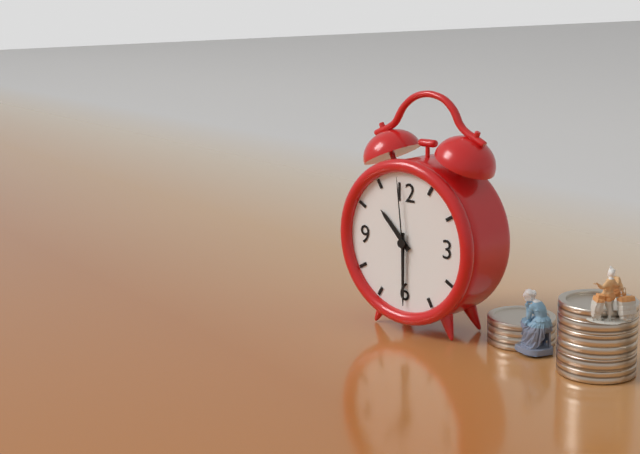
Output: {"hour": 10, "minute": 30, "second": 59}
